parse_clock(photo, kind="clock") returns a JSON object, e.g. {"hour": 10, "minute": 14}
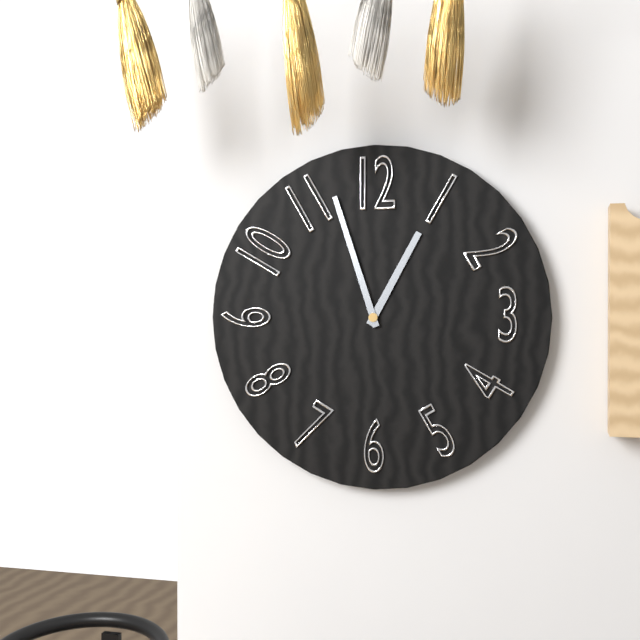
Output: {"hour": 12, "minute": 57}
